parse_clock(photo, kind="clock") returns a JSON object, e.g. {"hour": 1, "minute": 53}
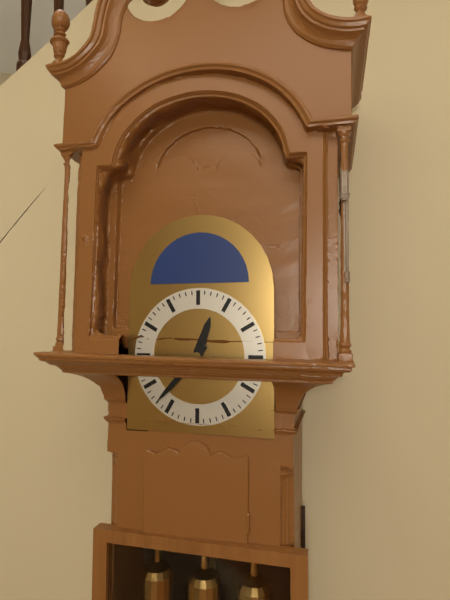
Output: {"hour": 12, "minute": 37}
